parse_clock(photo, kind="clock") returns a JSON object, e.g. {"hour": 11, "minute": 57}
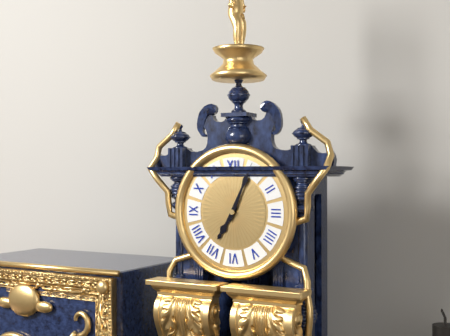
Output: {"hour": 7, "minute": 4}
